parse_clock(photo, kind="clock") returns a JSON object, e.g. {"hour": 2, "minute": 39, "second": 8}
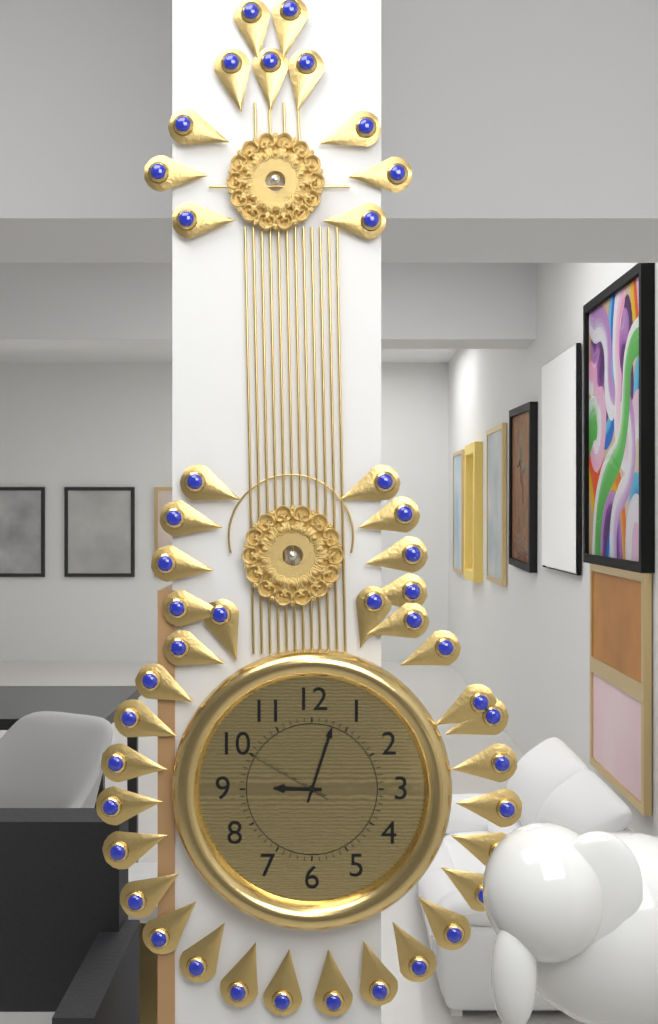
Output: {"hour": 9, "minute": 3, "second": 50}
